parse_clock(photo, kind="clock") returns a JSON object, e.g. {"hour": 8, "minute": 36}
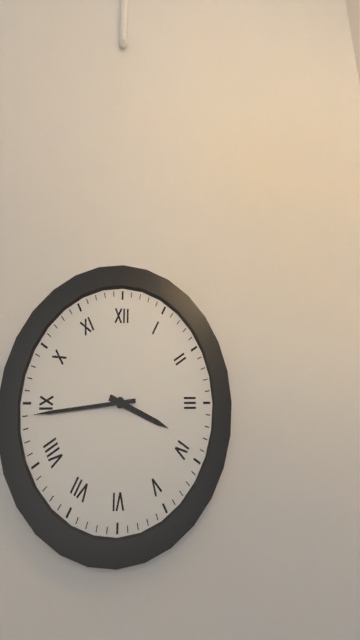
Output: {"hour": 3, "minute": 44}
